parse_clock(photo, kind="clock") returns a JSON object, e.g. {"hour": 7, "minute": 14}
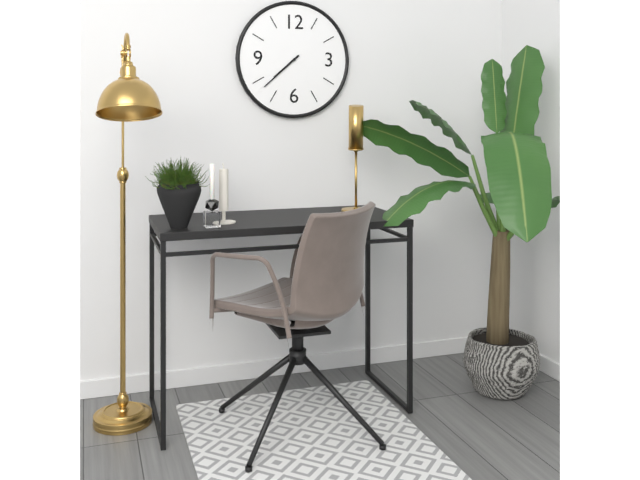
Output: {"hour": 7, "minute": 38}
